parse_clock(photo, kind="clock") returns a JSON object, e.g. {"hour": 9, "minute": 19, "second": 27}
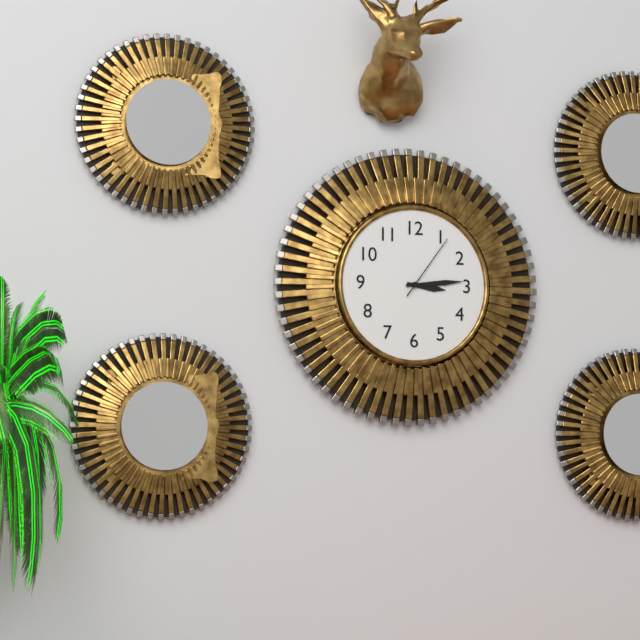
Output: {"hour": 3, "minute": 14, "second": 6}
